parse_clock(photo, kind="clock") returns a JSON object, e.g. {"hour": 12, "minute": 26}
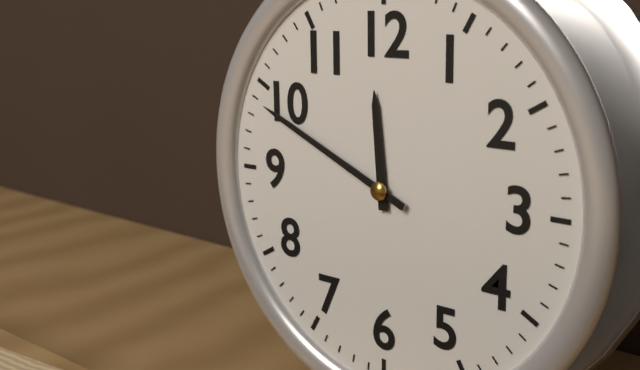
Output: {"hour": 11, "minute": 49}
